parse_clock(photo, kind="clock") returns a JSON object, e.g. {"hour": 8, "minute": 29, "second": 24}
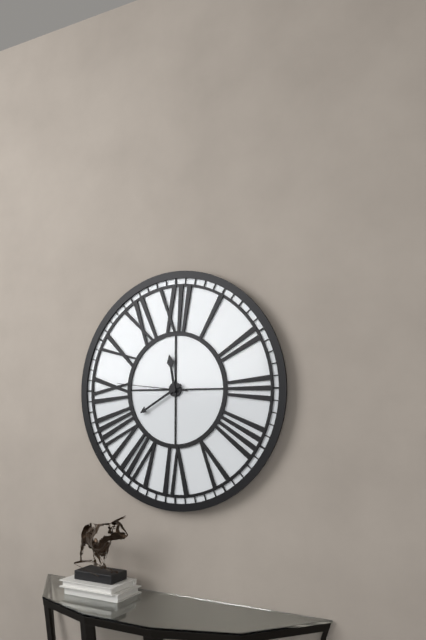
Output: {"hour": 11, "minute": 40, "second": 46}
